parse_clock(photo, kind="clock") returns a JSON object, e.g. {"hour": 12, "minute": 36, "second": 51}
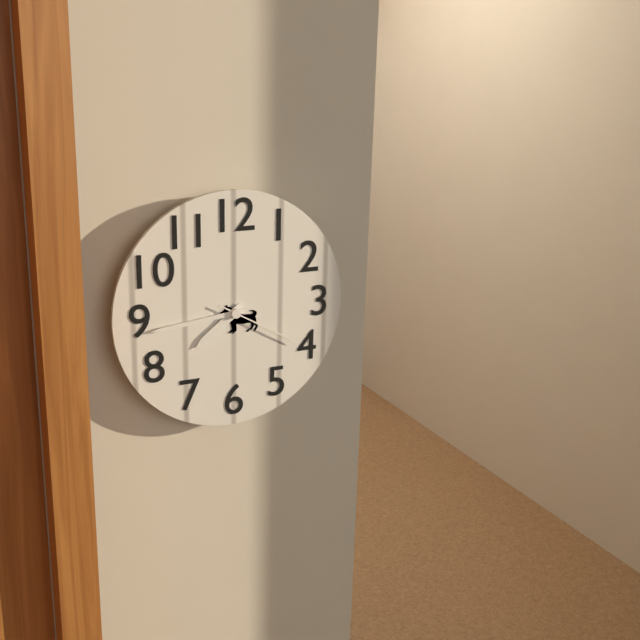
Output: {"hour": 7, "minute": 44, "second": 20}
